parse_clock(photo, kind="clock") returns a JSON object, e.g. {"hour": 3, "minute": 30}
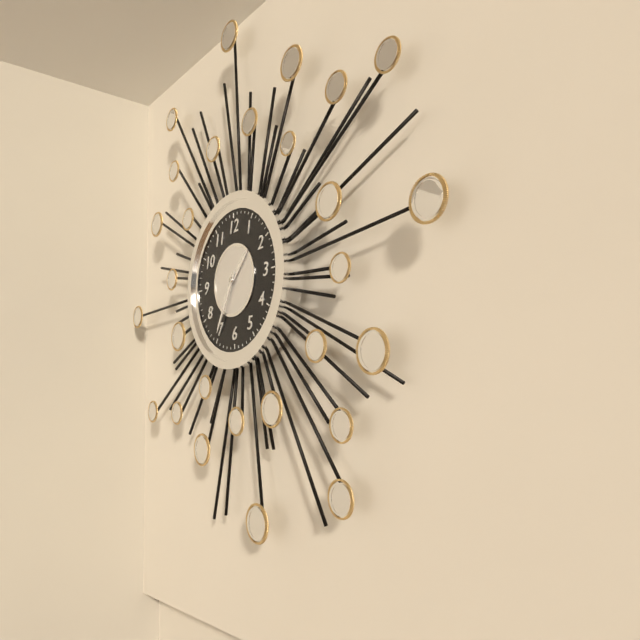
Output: {"hour": 1, "minute": 35}
